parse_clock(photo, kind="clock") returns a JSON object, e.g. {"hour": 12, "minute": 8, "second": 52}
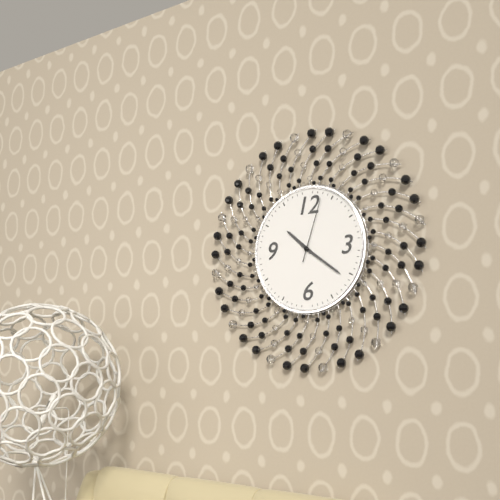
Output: {"hour": 10, "minute": 21, "second": 3}
